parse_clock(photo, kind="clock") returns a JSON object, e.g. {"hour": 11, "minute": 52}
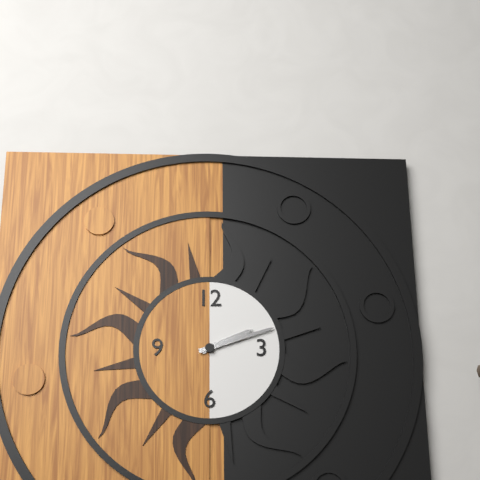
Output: {"hour": 2, "minute": 12}
